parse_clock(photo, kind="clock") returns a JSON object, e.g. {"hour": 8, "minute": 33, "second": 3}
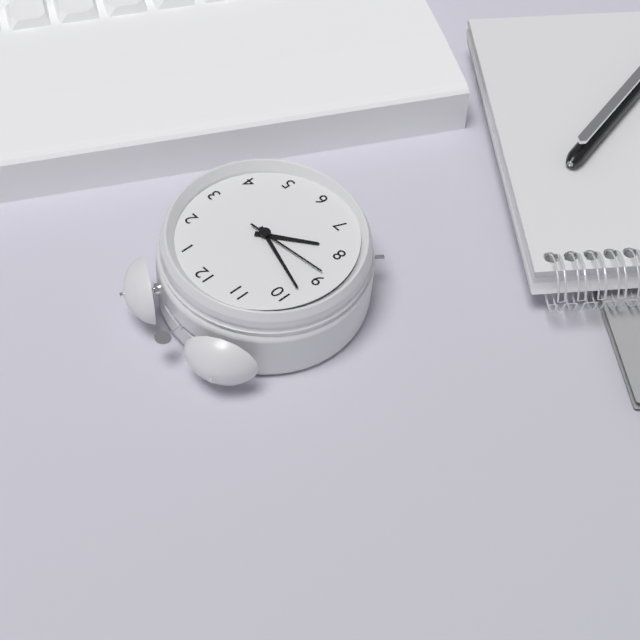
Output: {"hour": 7, "minute": 48, "second": 44}
